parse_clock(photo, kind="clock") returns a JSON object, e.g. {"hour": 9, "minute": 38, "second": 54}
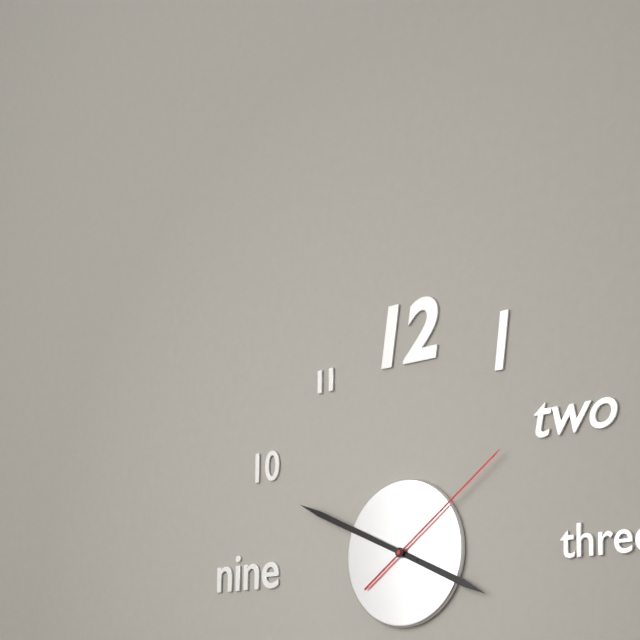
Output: {"hour": 3, "minute": 49, "second": 9}
